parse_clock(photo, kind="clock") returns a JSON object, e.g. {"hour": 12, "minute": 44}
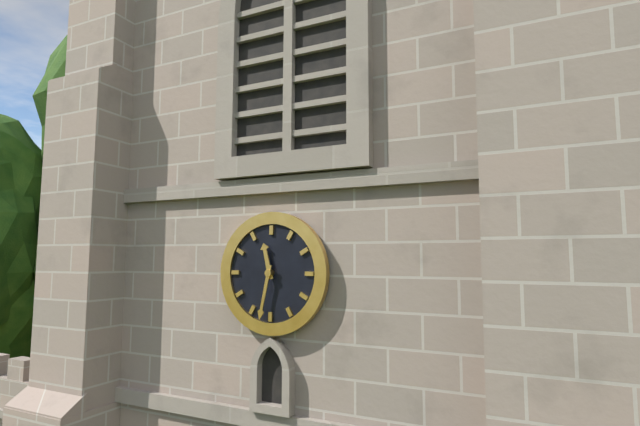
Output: {"hour": 11, "minute": 32}
